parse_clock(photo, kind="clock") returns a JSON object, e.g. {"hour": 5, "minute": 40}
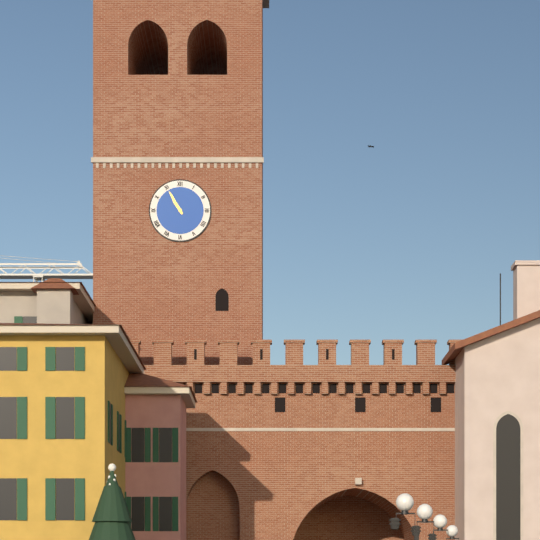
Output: {"hour": 10, "minute": 55}
